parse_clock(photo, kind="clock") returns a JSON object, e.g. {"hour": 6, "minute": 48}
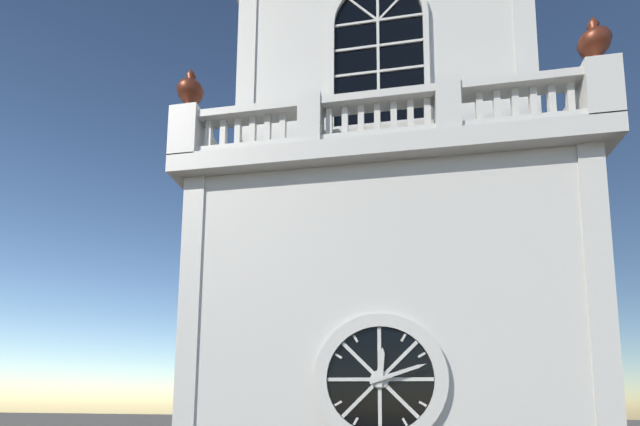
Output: {"hour": 12, "minute": 12}
